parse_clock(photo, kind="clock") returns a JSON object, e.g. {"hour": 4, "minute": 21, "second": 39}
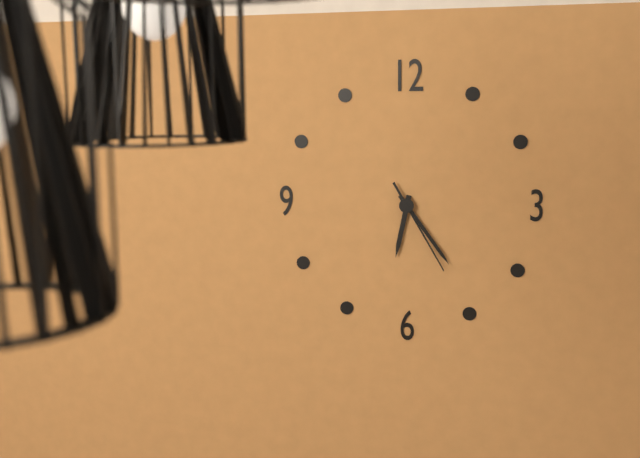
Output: {"hour": 6, "minute": 24, "second": 25}
